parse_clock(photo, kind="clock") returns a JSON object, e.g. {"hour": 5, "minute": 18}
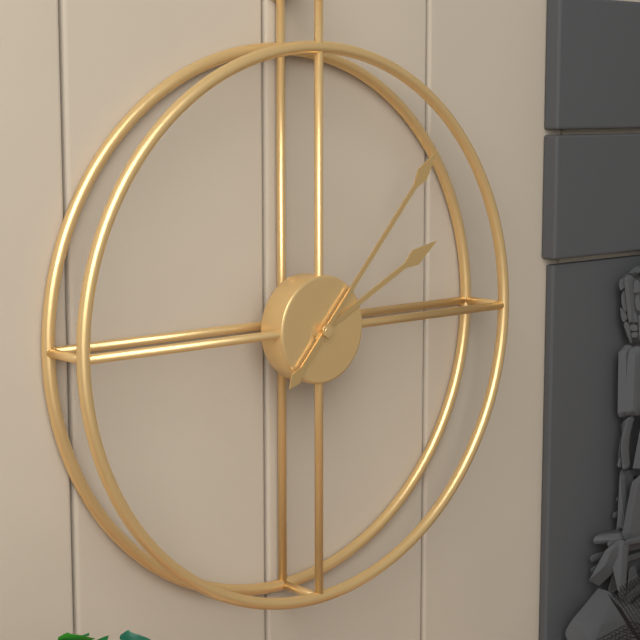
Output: {"hour": 2, "minute": 7}
